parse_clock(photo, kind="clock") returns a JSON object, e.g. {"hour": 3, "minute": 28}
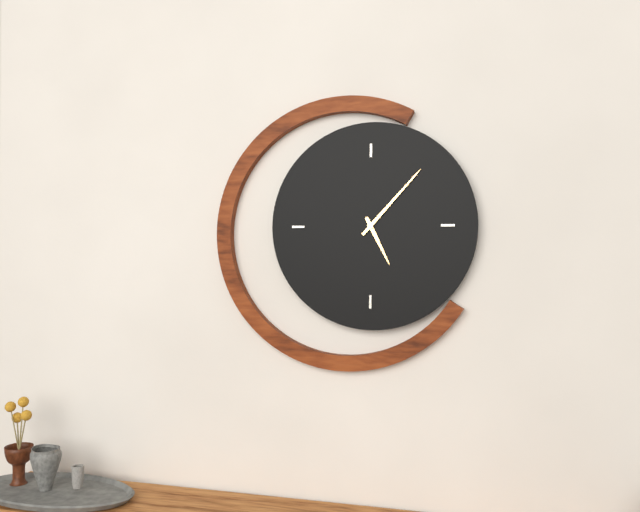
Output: {"hour": 5, "minute": 7}
